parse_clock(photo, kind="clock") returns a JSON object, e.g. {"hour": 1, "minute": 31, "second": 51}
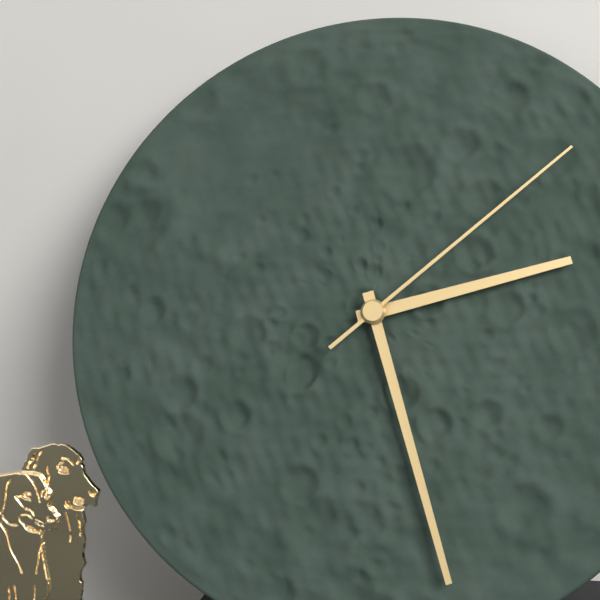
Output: {"hour": 2, "minute": 27, "second": 8}
